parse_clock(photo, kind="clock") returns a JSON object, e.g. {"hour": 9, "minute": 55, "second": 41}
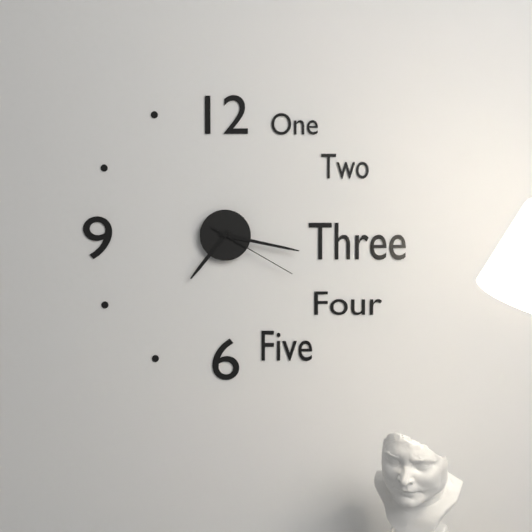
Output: {"hour": 7, "minute": 17, "second": 20}
